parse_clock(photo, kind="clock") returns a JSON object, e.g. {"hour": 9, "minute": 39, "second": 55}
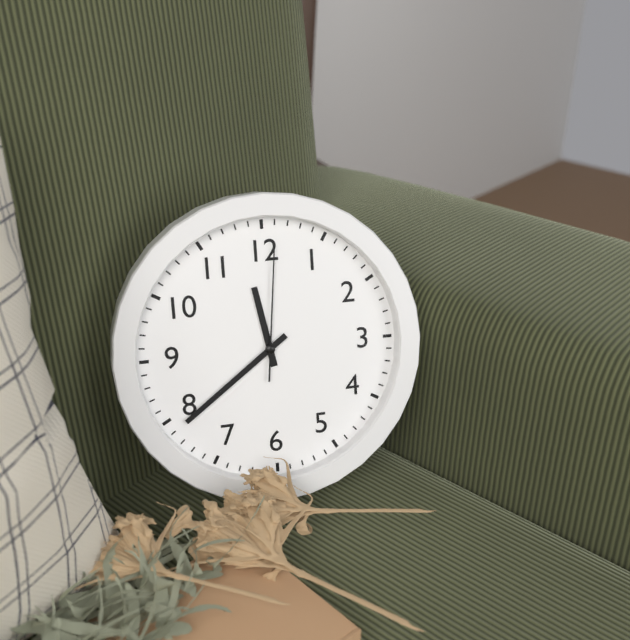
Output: {"hour": 11, "minute": 39, "second": 1}
